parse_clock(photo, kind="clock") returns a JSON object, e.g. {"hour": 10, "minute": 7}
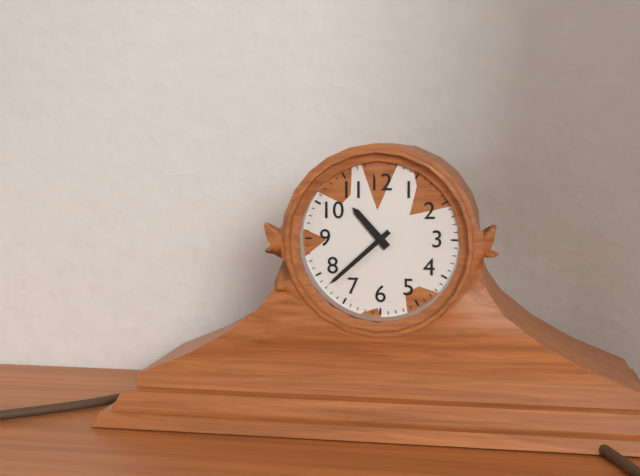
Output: {"hour": 10, "minute": 38}
